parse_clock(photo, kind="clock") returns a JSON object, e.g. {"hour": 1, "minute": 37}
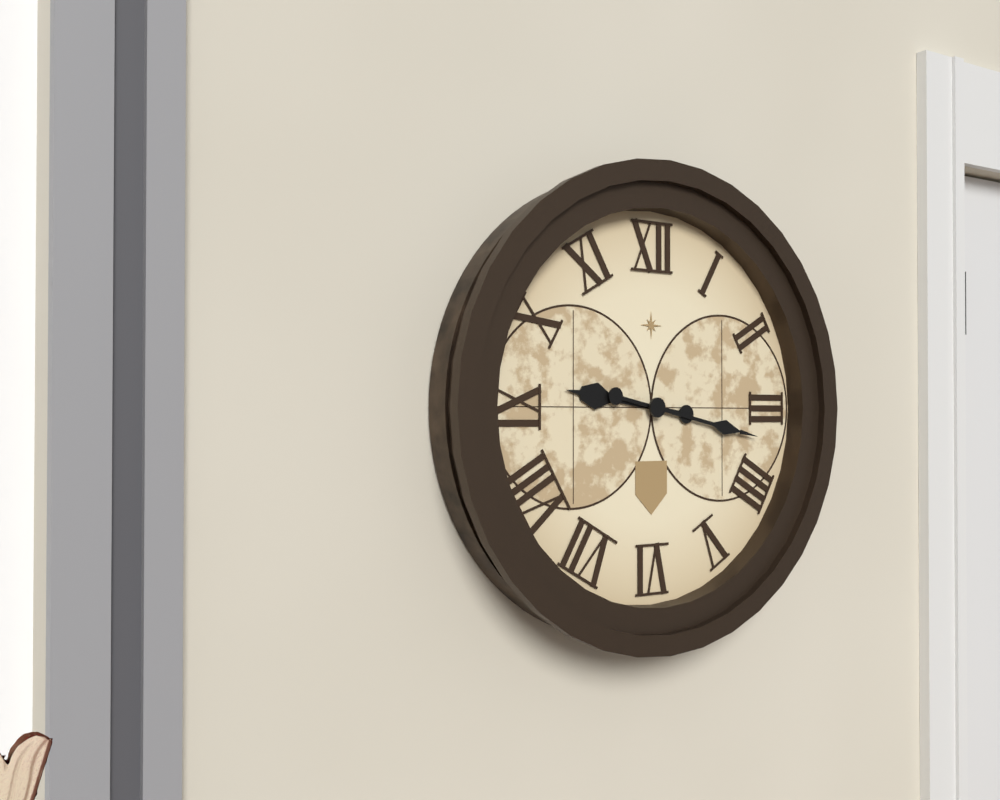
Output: {"hour": 9, "minute": 17}
